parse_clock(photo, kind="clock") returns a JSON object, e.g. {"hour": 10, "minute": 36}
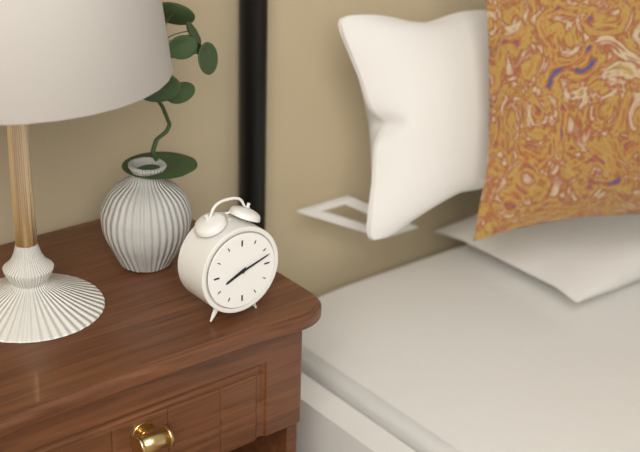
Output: {"hour": 8, "minute": 12}
